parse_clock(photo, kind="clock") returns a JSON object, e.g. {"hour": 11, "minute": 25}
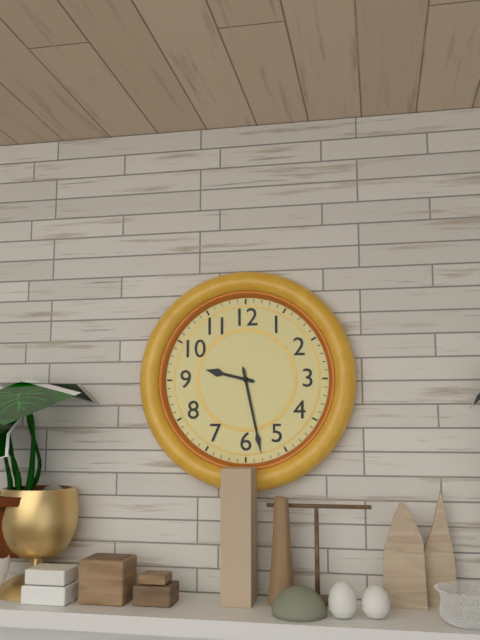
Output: {"hour": 9, "minute": 28}
